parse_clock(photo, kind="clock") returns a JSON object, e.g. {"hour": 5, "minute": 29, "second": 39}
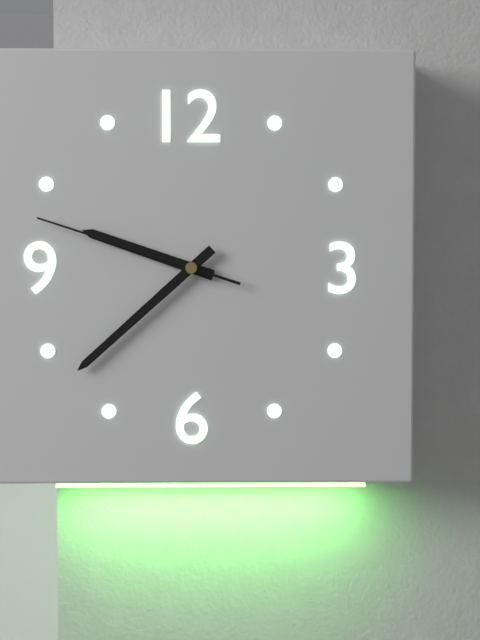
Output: {"hour": 9, "minute": 38, "second": 48}
